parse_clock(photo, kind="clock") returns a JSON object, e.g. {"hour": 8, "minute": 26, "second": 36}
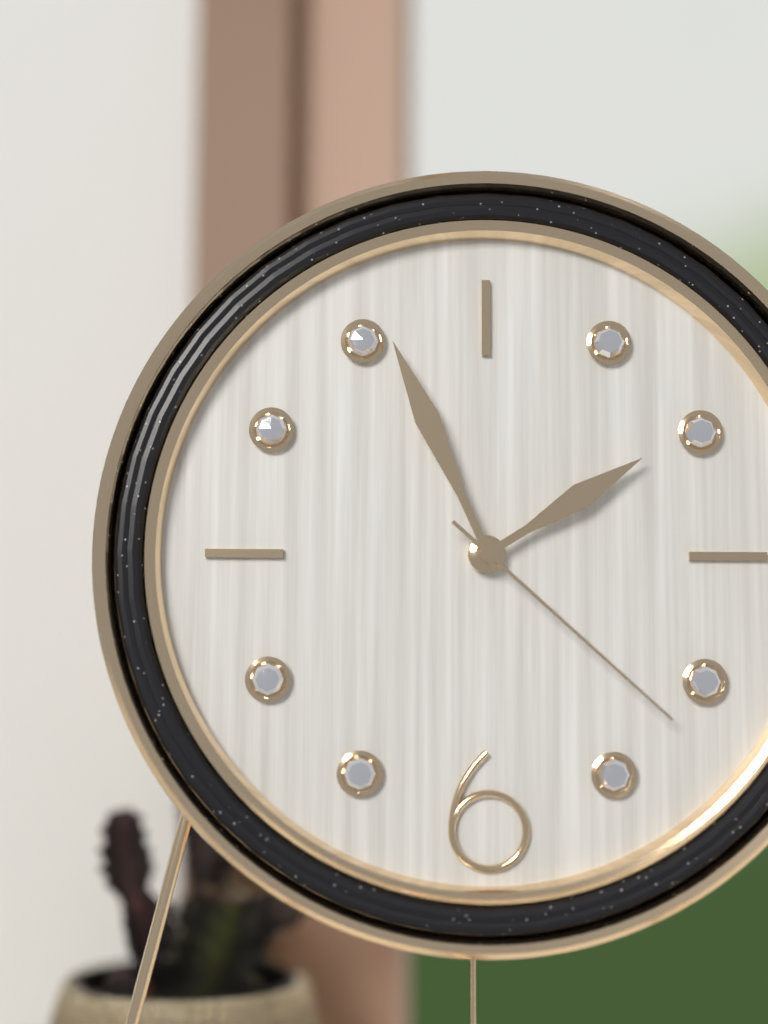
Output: {"hour": 1, "minute": 56, "second": 22}
